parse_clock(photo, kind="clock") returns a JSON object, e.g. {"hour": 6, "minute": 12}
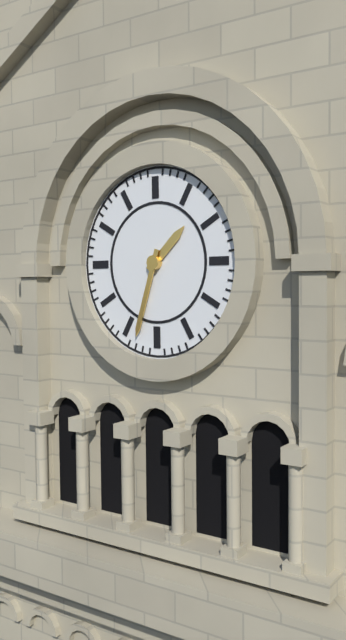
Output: {"hour": 1, "minute": 33}
